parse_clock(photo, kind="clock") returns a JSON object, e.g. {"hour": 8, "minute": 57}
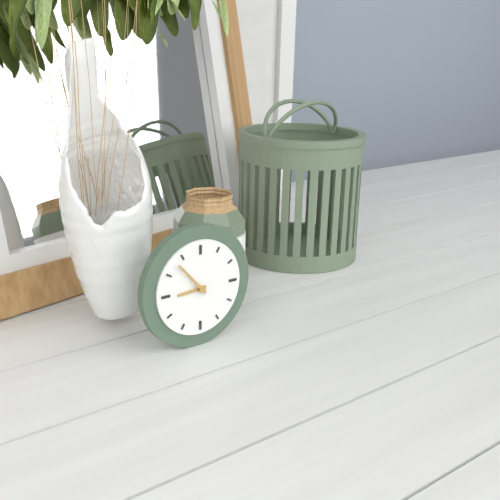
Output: {"hour": 8, "minute": 53}
